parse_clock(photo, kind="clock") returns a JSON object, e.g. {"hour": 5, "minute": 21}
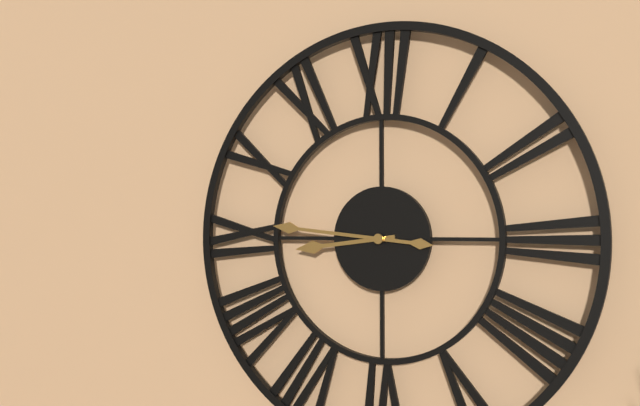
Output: {"hour": 8, "minute": 46}
